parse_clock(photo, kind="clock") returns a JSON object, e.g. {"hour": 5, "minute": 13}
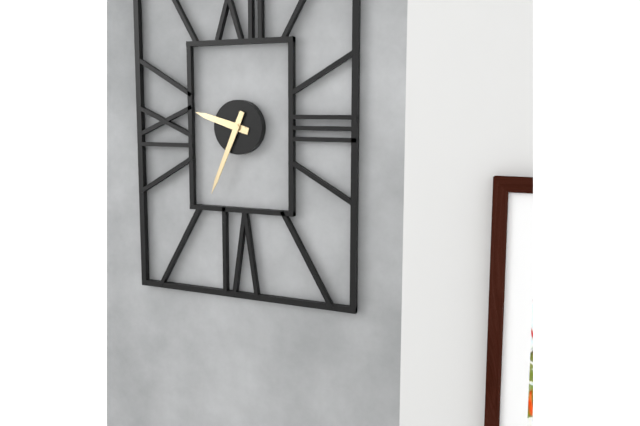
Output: {"hour": 9, "minute": 34}
